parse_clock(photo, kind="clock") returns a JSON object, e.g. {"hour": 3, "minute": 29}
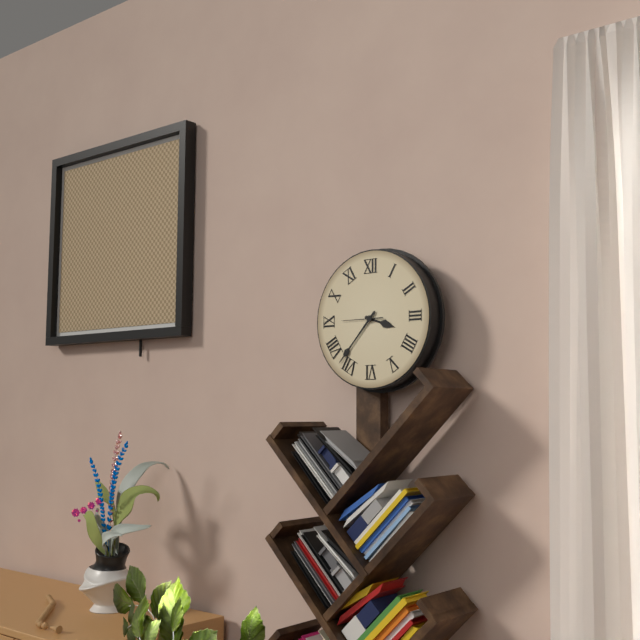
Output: {"hour": 3, "minute": 37}
